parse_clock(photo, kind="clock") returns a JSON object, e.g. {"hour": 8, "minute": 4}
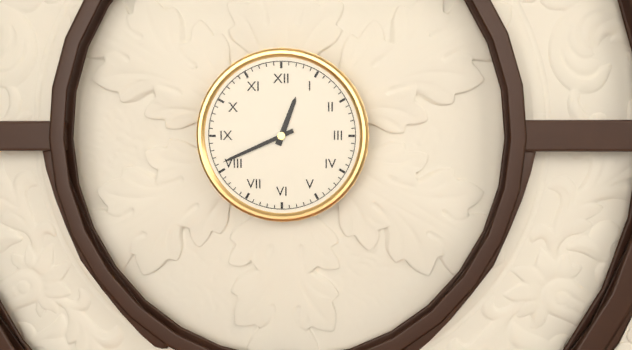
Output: {"hour": 12, "minute": 41}
